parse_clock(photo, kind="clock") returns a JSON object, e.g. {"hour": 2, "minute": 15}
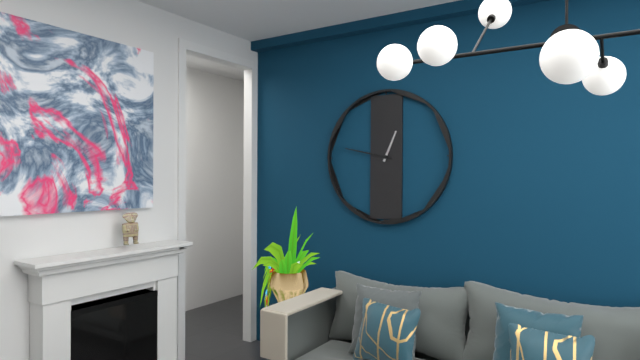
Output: {"hour": 12, "minute": 47}
